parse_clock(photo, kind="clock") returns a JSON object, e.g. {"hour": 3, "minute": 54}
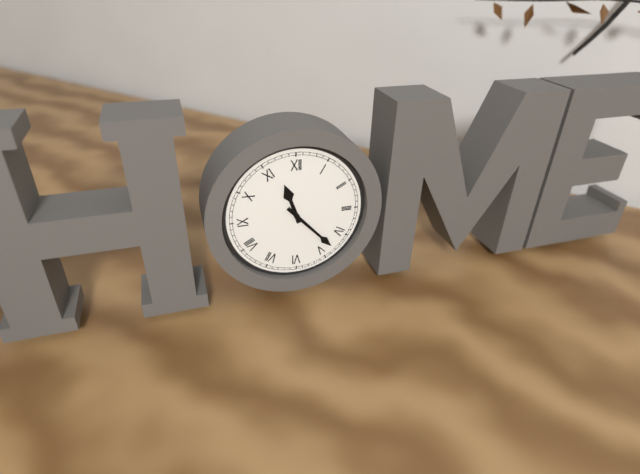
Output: {"hour": 11, "minute": 23}
